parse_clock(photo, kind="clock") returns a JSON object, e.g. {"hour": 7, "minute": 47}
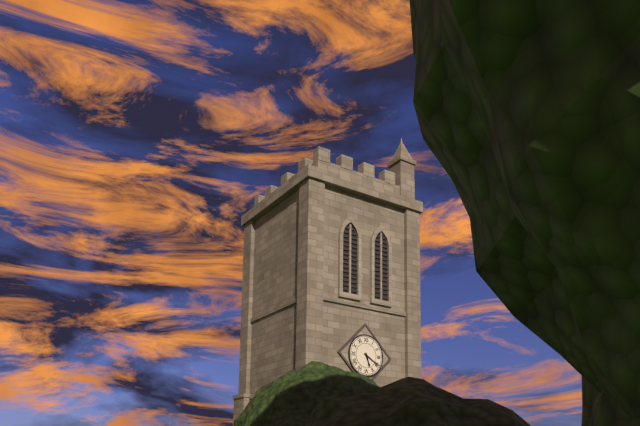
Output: {"hour": 5, "minute": 20}
